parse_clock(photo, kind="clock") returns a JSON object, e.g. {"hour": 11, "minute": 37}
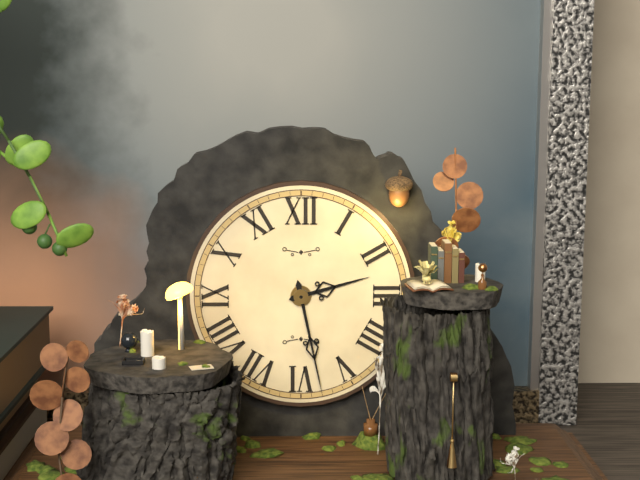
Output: {"hour": 2, "minute": 28}
